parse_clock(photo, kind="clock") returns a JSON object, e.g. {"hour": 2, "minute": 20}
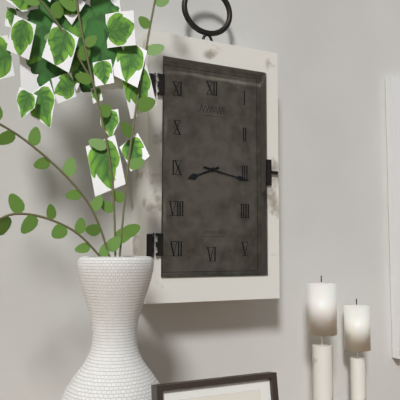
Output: {"hour": 8, "minute": 17}
